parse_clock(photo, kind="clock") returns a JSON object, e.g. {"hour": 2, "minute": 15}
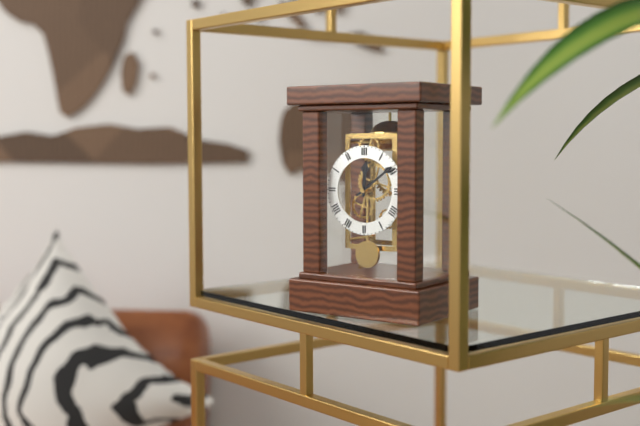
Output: {"hour": 12, "minute": 9}
